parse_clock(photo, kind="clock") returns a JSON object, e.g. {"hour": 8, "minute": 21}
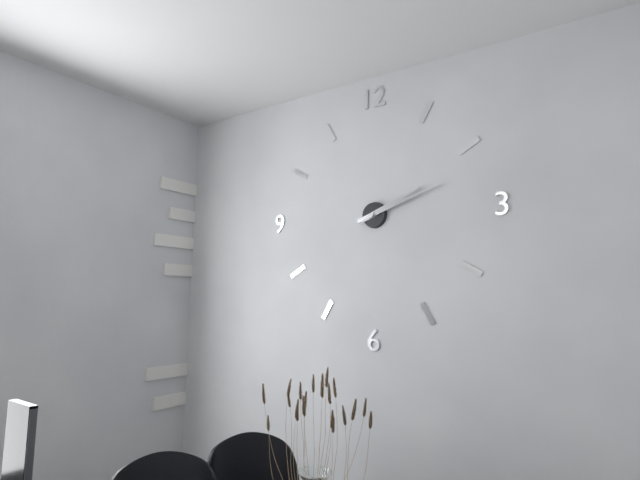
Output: {"hour": 2, "minute": 12}
